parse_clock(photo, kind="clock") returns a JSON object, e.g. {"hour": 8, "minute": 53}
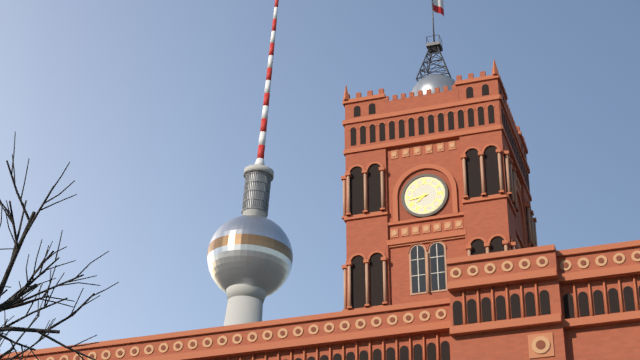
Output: {"hour": 7, "minute": 43}
